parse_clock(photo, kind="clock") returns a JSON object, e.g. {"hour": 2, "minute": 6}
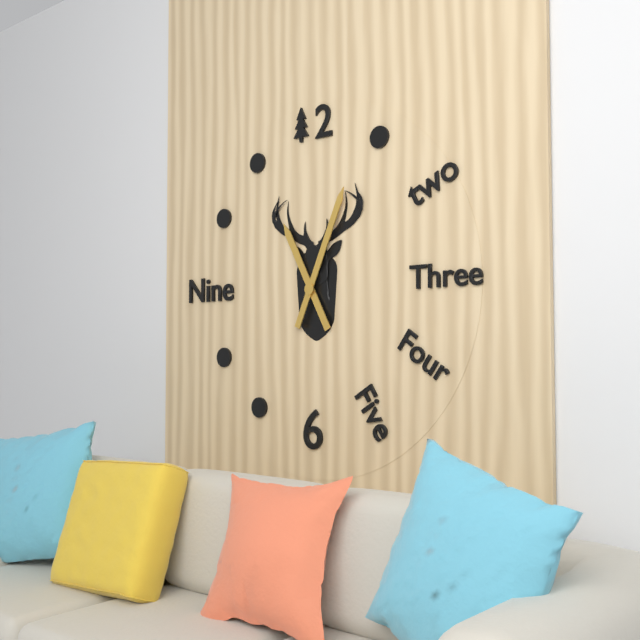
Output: {"hour": 11, "minute": 4}
